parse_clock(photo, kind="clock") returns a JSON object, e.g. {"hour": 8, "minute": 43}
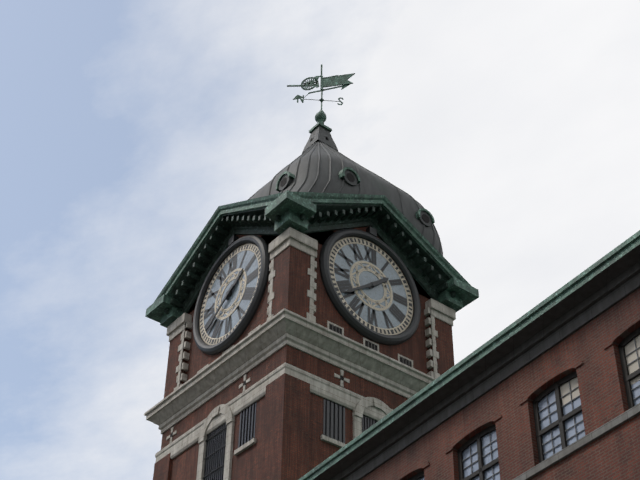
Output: {"hour": 1, "minute": 39}
